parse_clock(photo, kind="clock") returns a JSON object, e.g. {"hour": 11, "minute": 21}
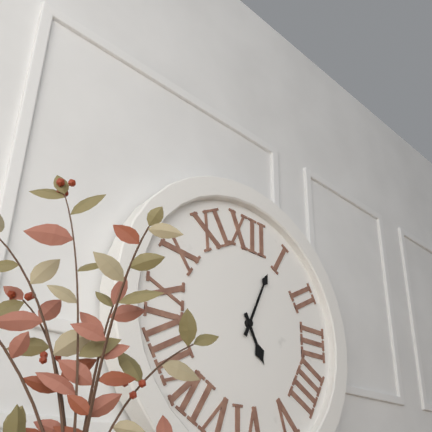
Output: {"hour": 5, "minute": 4}
